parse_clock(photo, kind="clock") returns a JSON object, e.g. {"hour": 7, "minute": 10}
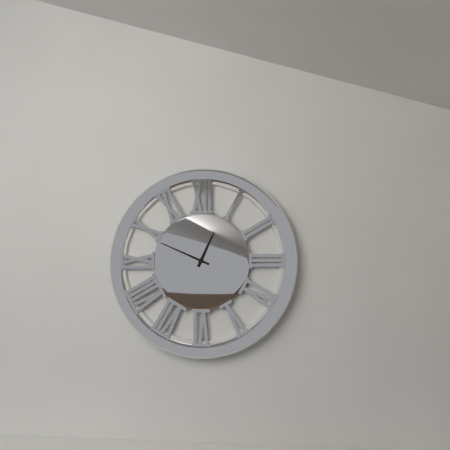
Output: {"hour": 12, "minute": 49}
